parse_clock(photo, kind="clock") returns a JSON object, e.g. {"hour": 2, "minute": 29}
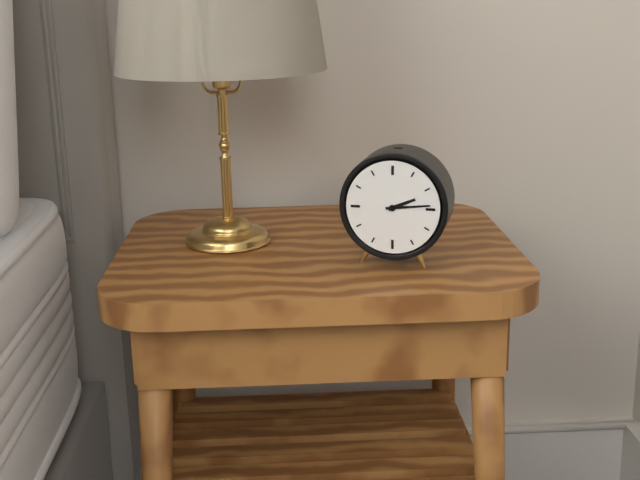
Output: {"hour": 2, "minute": 14}
